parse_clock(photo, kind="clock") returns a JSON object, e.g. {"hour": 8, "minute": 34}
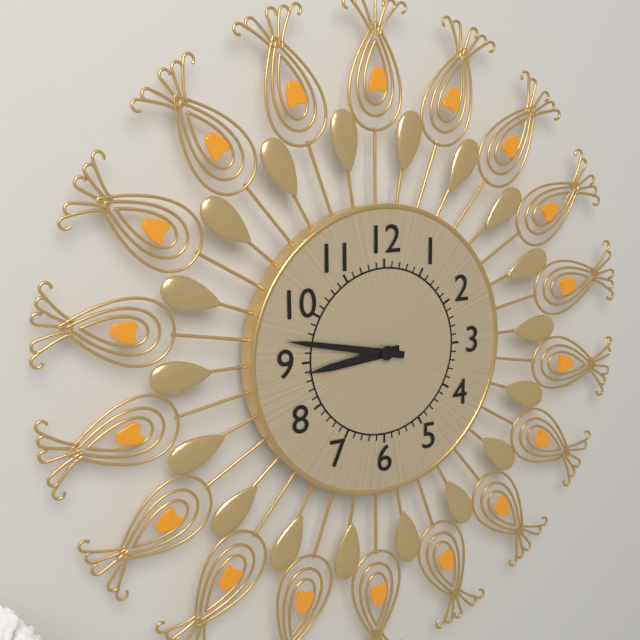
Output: {"hour": 8, "minute": 47}
